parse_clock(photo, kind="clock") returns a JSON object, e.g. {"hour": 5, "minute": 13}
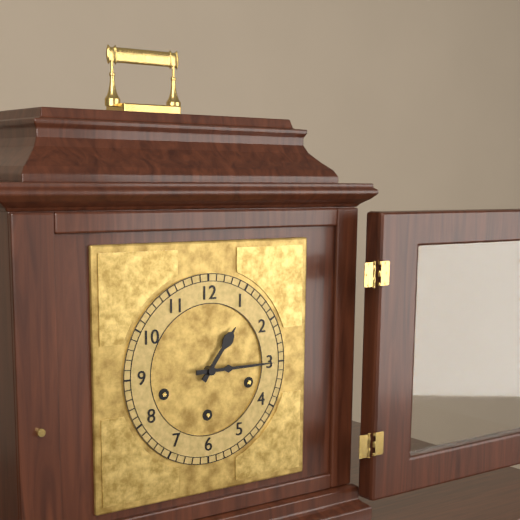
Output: {"hour": 1, "minute": 15}
